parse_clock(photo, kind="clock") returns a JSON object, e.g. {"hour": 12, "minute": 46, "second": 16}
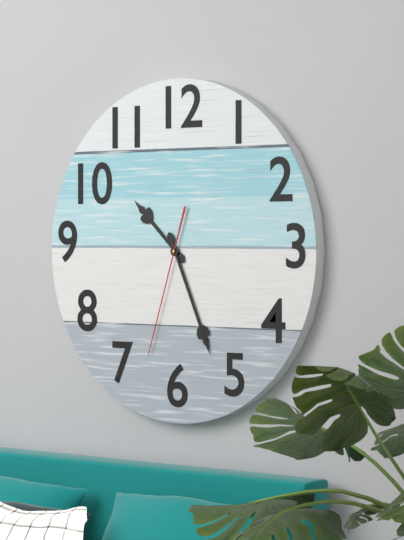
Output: {"hour": 10, "minute": 26, "second": 33}
